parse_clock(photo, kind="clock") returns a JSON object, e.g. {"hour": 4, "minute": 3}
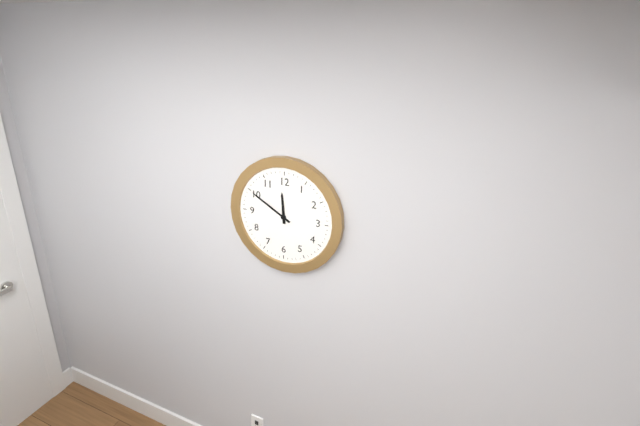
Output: {"hour": 11, "minute": 50}
